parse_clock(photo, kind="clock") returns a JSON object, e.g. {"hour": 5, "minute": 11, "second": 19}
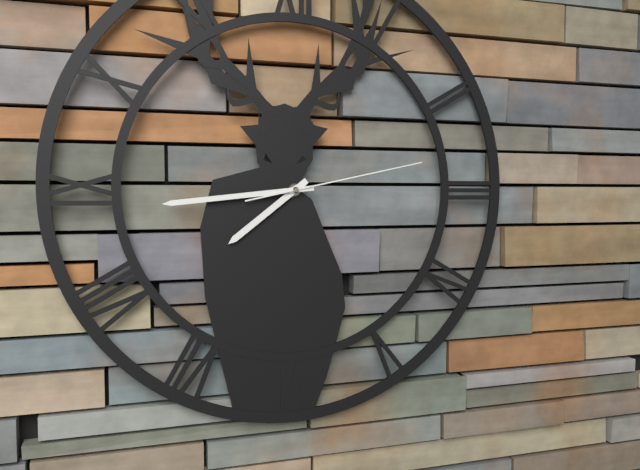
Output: {"hour": 7, "minute": 44, "second": 13}
